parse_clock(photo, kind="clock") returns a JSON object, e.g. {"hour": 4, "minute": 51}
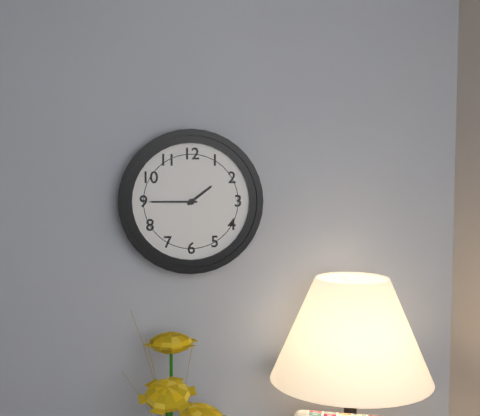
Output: {"hour": 1, "minute": 45}
